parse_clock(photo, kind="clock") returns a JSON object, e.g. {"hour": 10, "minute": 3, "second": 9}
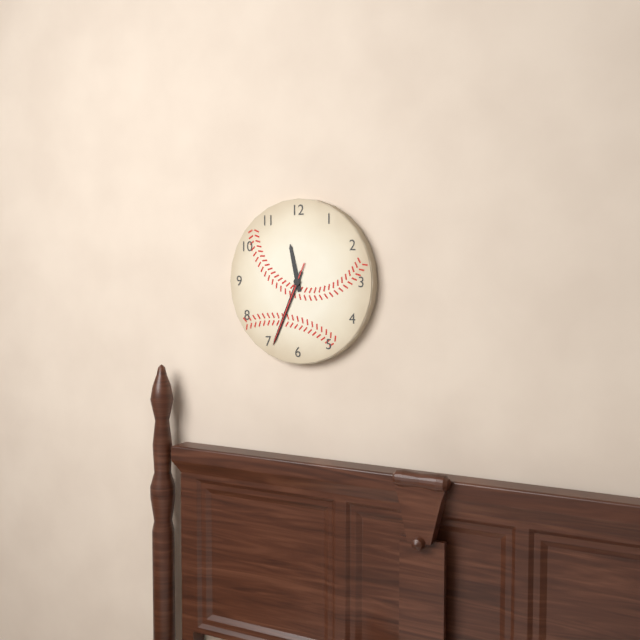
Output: {"hour": 11, "minute": 34, "second": 34}
